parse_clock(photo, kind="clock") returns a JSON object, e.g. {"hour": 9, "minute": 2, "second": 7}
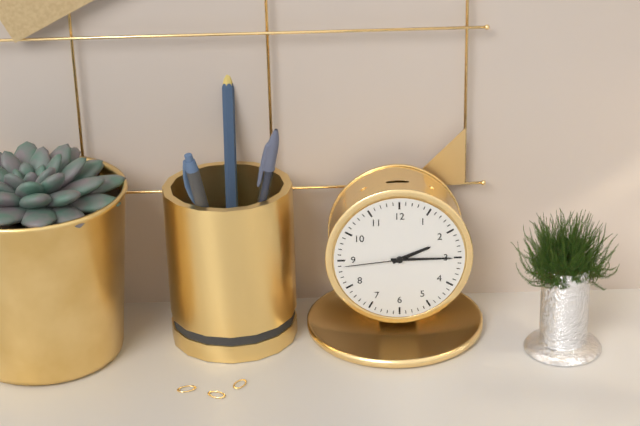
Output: {"hour": 2, "minute": 15, "second": 44}
